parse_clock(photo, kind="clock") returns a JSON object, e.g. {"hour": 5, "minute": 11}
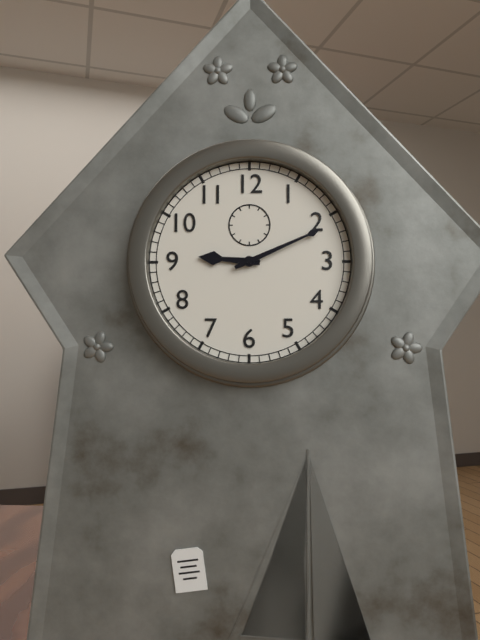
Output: {"hour": 9, "minute": 11}
